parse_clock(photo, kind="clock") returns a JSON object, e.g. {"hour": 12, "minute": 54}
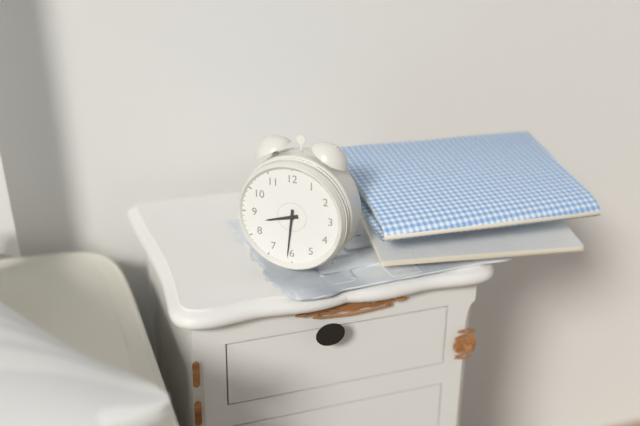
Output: {"hour": 8, "minute": 31}
